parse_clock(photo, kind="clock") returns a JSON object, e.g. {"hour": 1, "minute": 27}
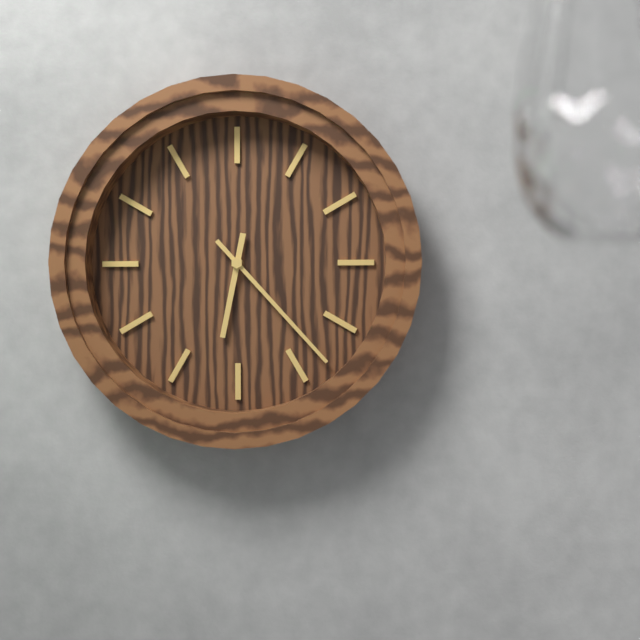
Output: {"hour": 6, "minute": 23}
